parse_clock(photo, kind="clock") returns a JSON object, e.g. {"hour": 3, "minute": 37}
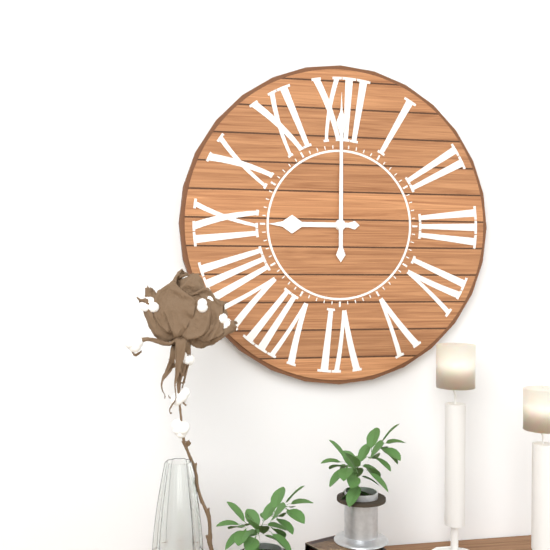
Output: {"hour": 9, "minute": 0}
